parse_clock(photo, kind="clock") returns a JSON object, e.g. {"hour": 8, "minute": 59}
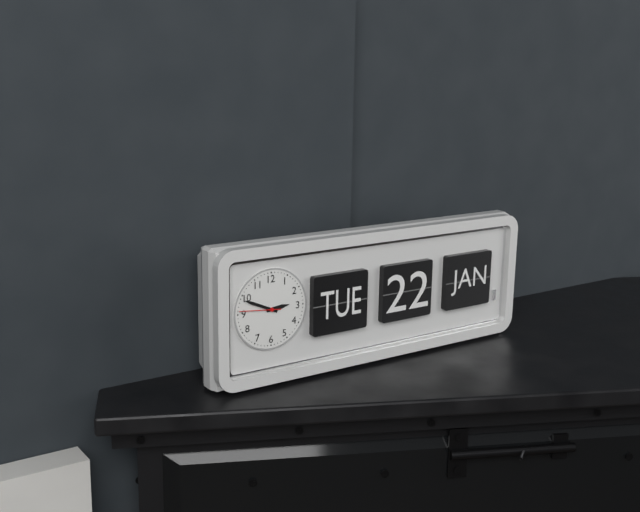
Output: {"hour": 2, "minute": 49}
